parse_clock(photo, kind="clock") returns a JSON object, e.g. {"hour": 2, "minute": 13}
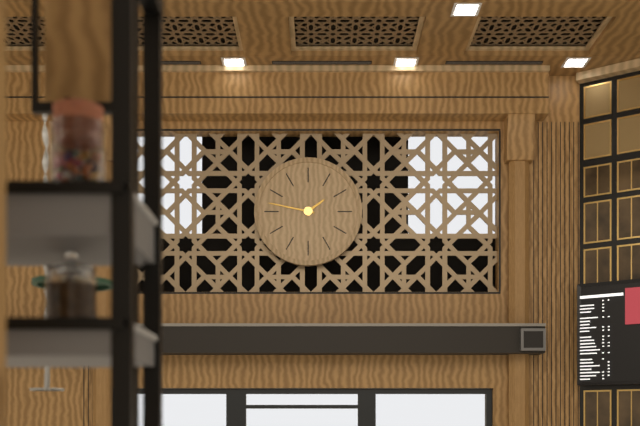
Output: {"hour": 1, "minute": 47}
